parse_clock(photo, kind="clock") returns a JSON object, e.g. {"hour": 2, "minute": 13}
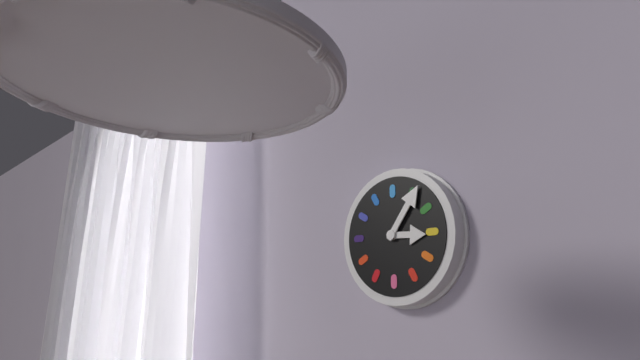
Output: {"hour": 3, "minute": 6}
